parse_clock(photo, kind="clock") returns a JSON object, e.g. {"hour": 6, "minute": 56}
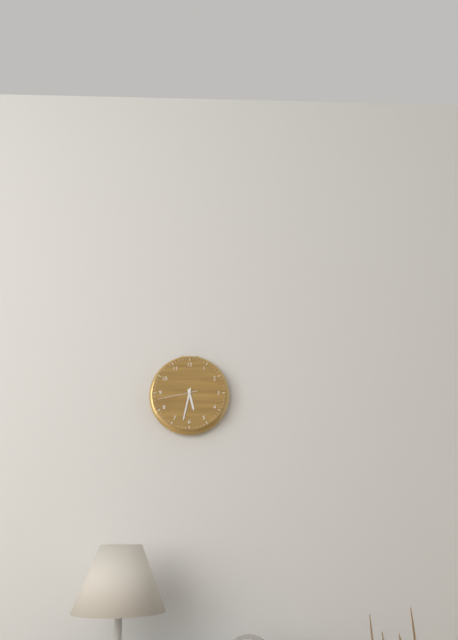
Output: {"hour": 5, "minute": 32}
